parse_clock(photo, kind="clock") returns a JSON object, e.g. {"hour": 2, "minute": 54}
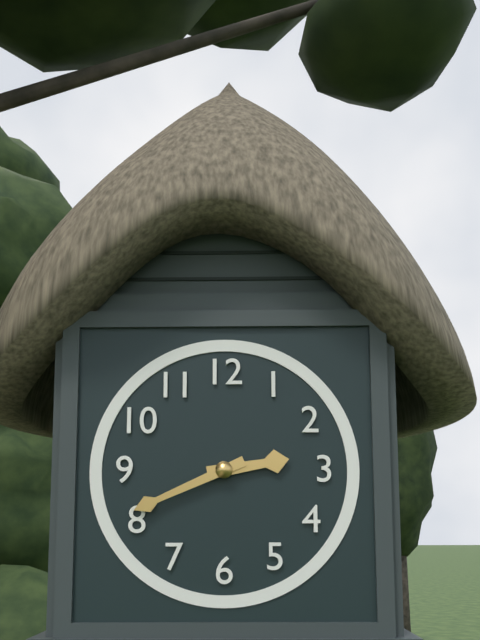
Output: {"hour": 2, "minute": 41}
